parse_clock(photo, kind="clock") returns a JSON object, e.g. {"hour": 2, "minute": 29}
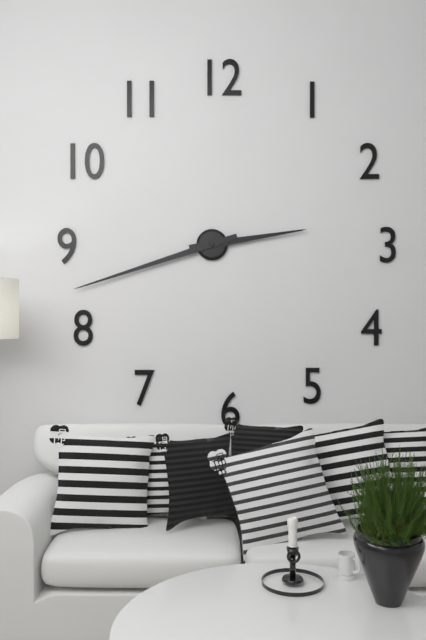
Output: {"hour": 2, "minute": 42}
